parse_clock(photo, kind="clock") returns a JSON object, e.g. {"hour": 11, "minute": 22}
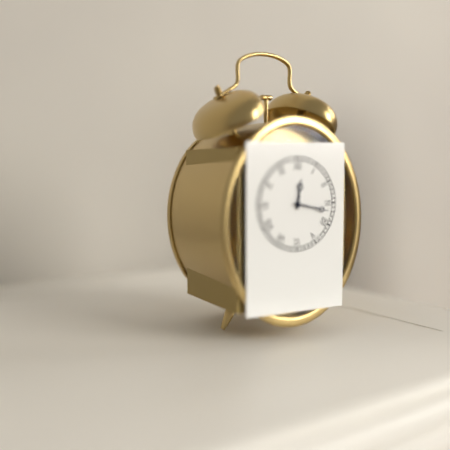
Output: {"hour": 12, "minute": 17}
